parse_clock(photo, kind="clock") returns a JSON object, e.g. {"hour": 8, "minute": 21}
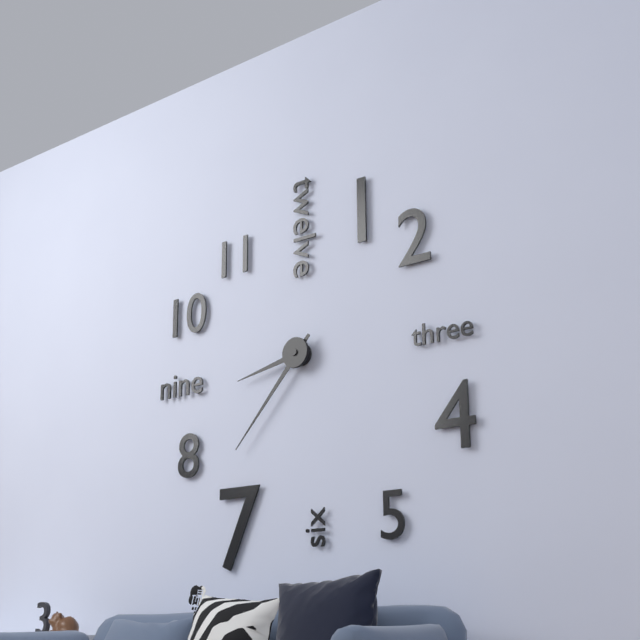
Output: {"hour": 8, "minute": 37}
